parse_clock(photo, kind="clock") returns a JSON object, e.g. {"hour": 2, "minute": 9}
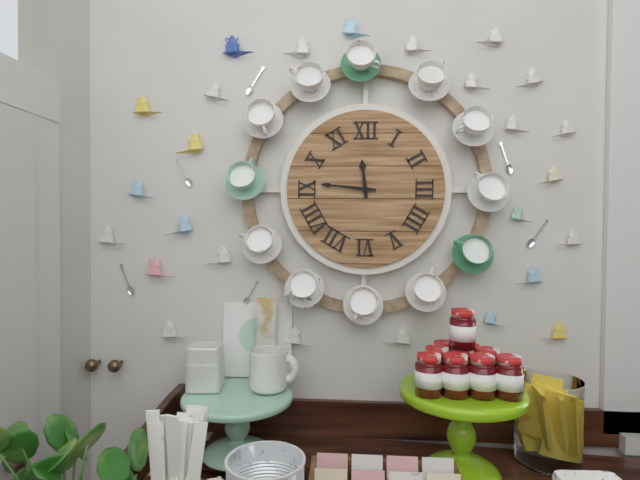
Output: {"hour": 11, "minute": 46}
